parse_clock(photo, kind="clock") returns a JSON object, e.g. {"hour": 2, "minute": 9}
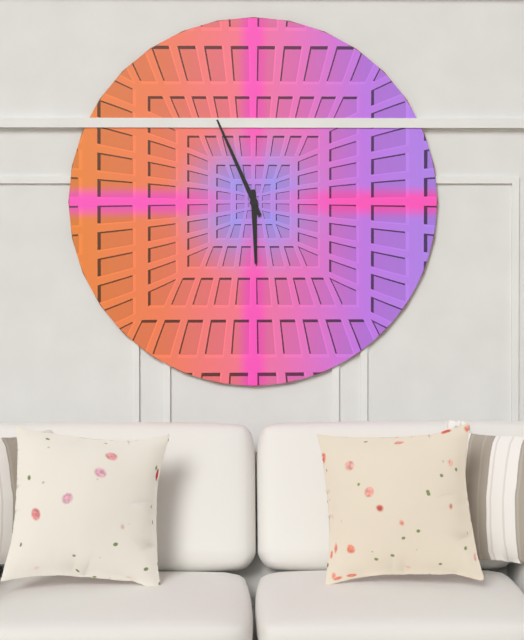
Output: {"hour": 5, "minute": 56}
